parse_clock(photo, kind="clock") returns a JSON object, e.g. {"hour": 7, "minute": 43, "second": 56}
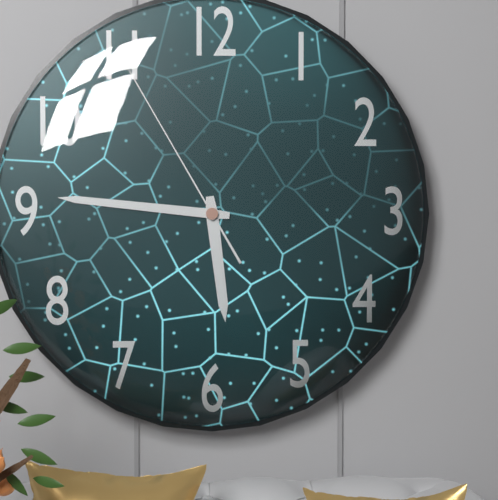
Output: {"hour": 5, "minute": 46, "second": 55}
